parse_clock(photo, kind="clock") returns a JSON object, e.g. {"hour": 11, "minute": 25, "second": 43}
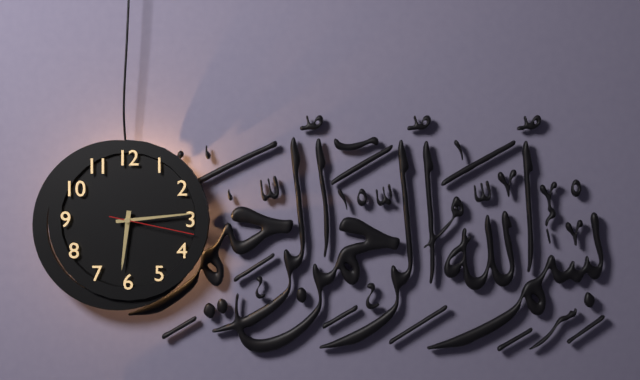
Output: {"hour": 6, "minute": 14, "second": 17}
